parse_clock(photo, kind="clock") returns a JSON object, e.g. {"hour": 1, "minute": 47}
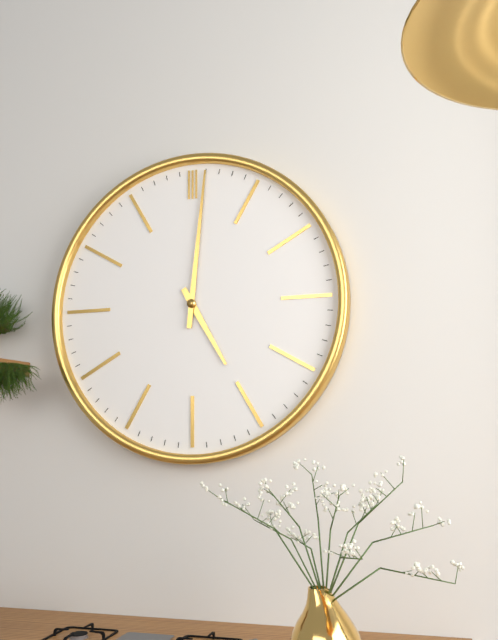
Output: {"hour": 5, "minute": 1}
